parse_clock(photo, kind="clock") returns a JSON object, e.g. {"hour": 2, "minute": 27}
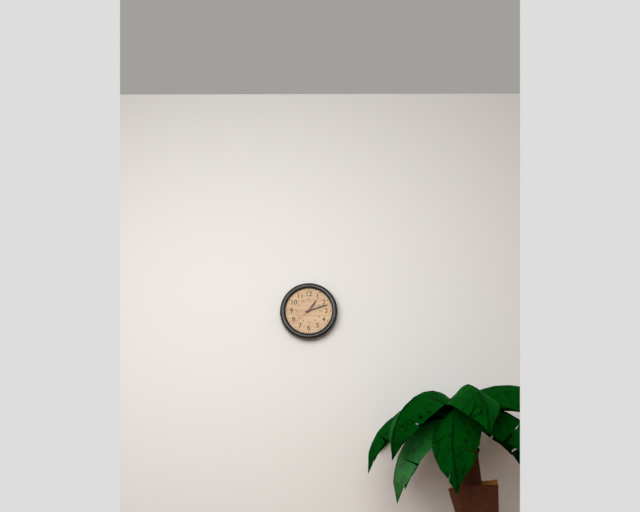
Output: {"hour": 1, "minute": 12}
